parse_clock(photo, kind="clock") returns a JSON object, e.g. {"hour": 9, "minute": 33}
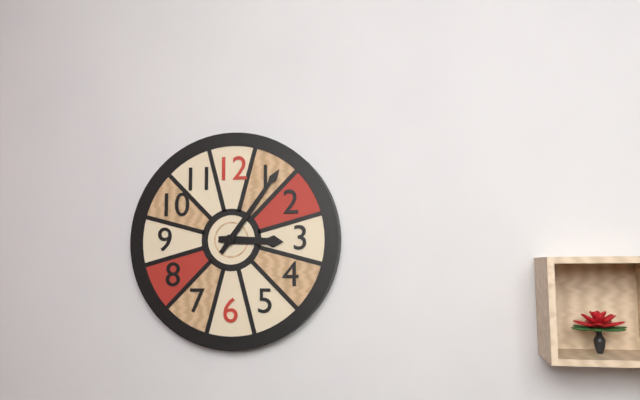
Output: {"hour": 3, "minute": 6}
